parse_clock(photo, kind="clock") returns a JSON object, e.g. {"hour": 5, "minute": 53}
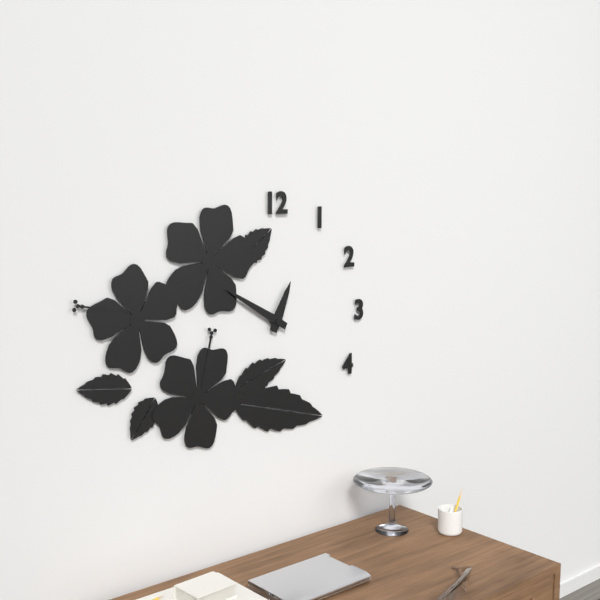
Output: {"hour": 12, "minute": 50}
